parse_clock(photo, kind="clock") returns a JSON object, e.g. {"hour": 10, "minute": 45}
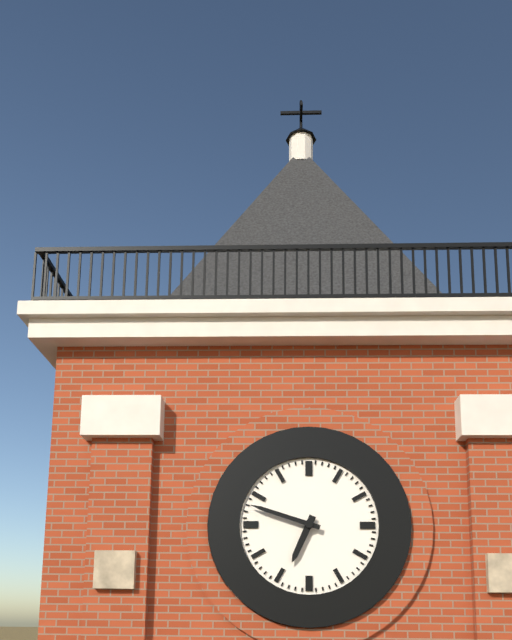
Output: {"hour": 6, "minute": 48}
